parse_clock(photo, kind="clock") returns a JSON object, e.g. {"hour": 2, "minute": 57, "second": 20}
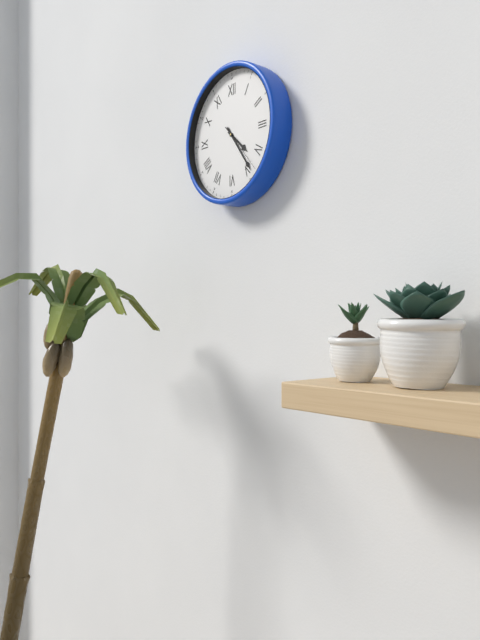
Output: {"hour": 4, "minute": 24, "second": 23}
